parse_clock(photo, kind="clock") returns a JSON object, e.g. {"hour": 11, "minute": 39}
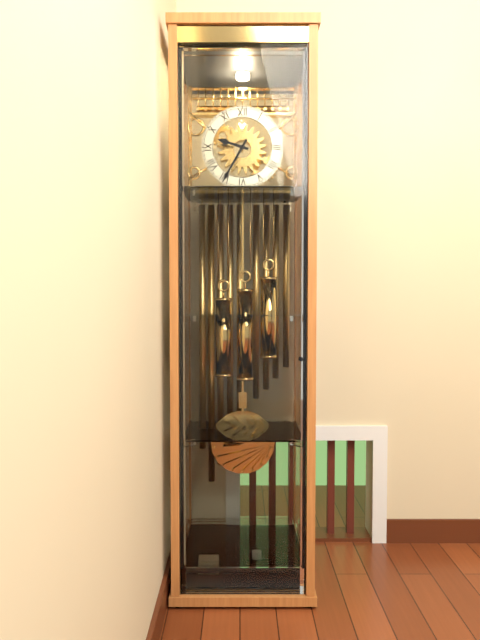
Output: {"hour": 9, "minute": 35}
